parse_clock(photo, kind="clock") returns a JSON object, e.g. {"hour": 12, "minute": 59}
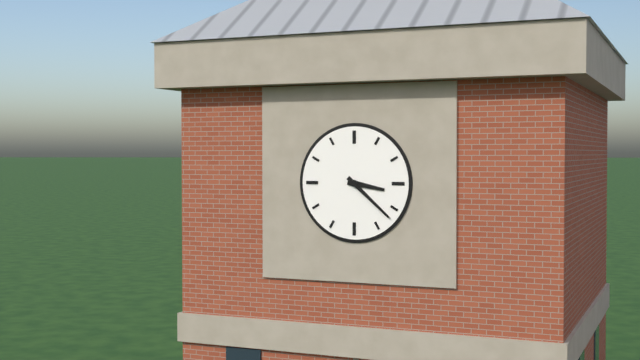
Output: {"hour": 3, "minute": 22}
